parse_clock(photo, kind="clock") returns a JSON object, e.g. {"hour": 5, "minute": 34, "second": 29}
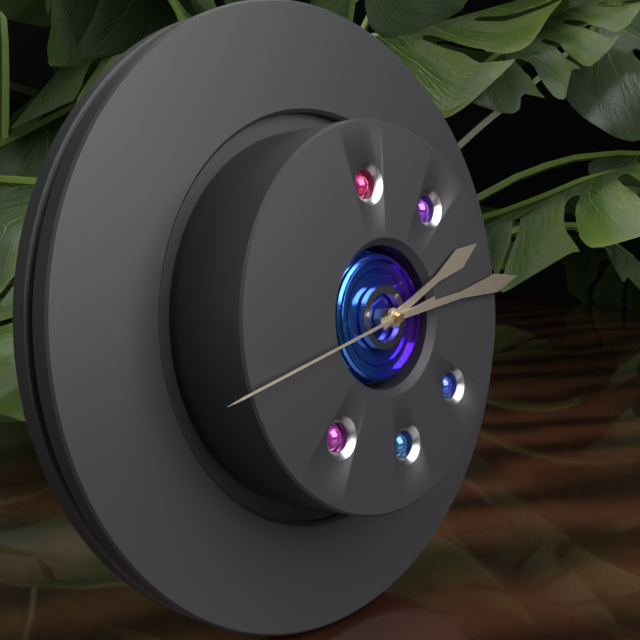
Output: {"hour": 2, "minute": 14, "second": 43}
